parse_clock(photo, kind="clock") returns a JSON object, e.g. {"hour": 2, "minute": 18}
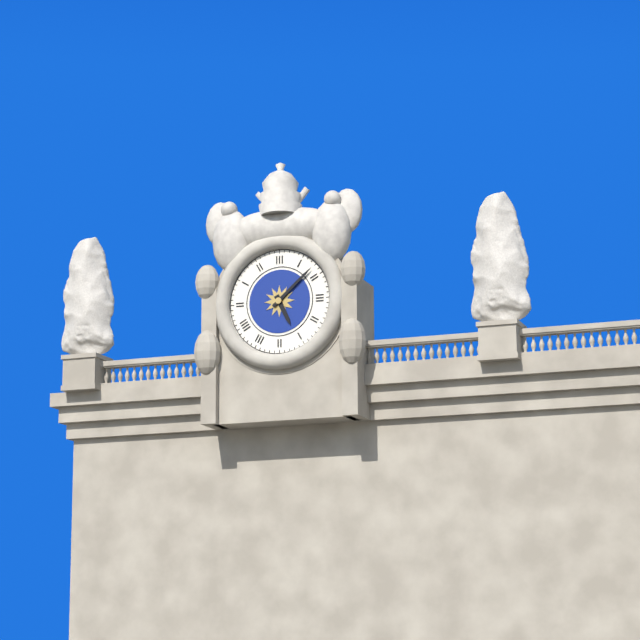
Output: {"hour": 5, "minute": 8}
